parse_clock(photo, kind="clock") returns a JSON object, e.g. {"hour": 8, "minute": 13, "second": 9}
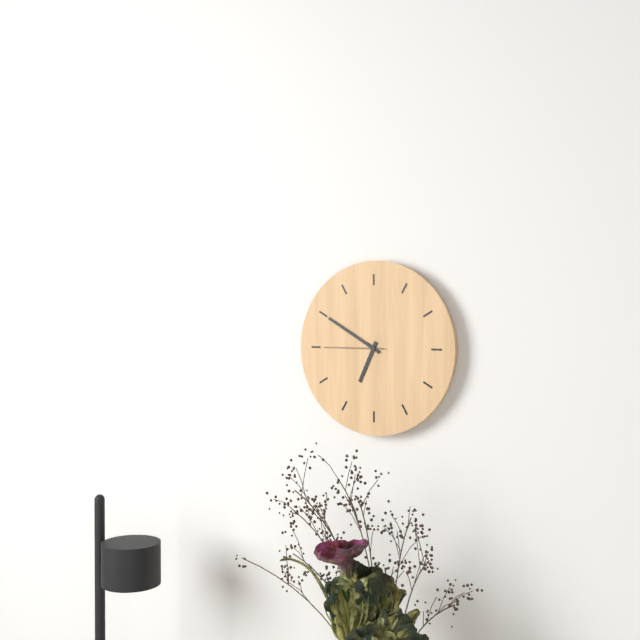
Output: {"hour": 6, "minute": 50, "second": 45}
